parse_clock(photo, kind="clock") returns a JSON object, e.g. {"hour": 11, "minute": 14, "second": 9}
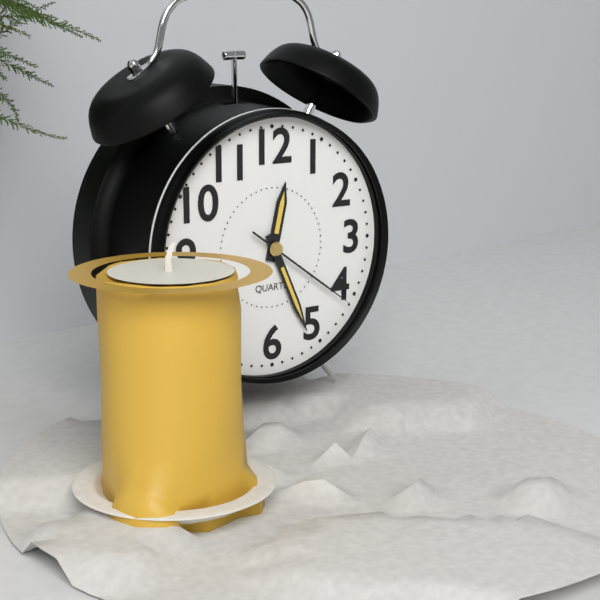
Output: {"hour": 12, "minute": 26, "second": 21}
